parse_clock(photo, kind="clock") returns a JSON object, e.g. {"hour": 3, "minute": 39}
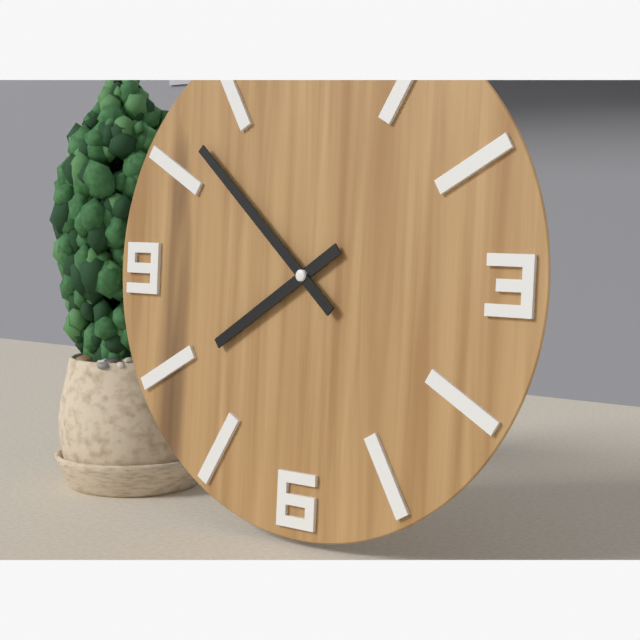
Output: {"hour": 7, "minute": 52}
